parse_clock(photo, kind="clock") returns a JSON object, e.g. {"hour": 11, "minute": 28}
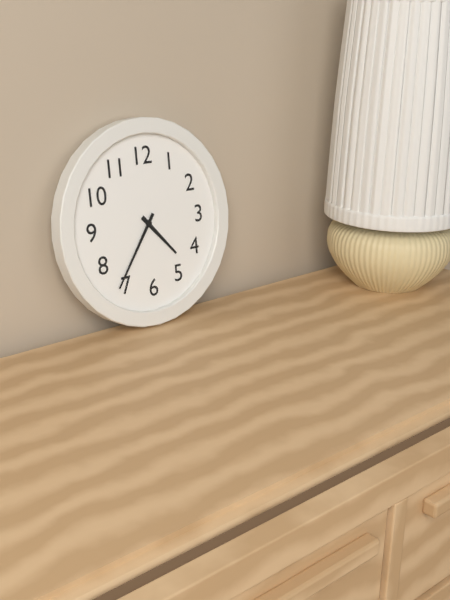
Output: {"hour": 4, "minute": 36}
